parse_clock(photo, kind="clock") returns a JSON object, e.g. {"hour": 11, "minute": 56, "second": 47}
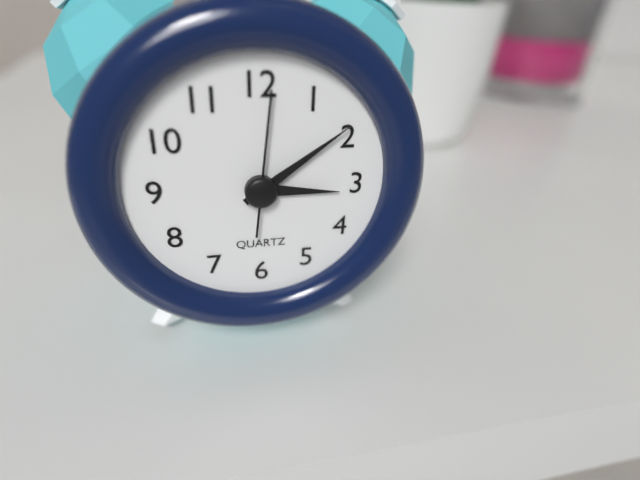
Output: {"hour": 3, "minute": 9, "second": 1}
